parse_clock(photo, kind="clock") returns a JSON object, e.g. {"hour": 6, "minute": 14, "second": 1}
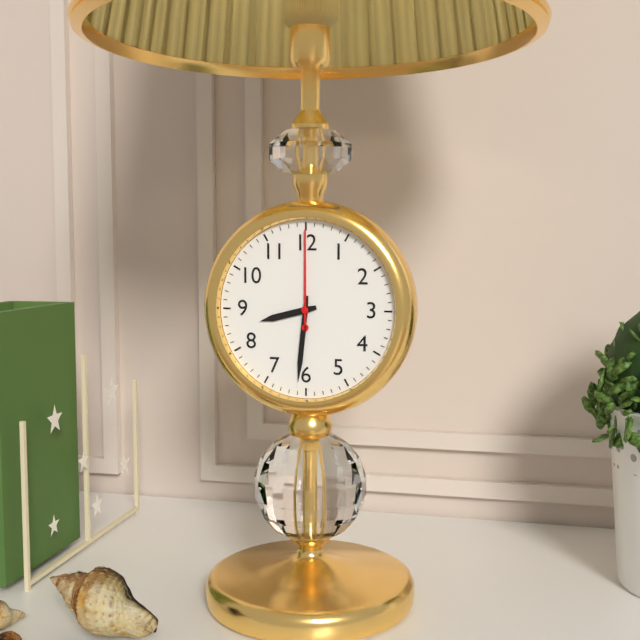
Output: {"hour": 8, "minute": 31, "second": 0}
